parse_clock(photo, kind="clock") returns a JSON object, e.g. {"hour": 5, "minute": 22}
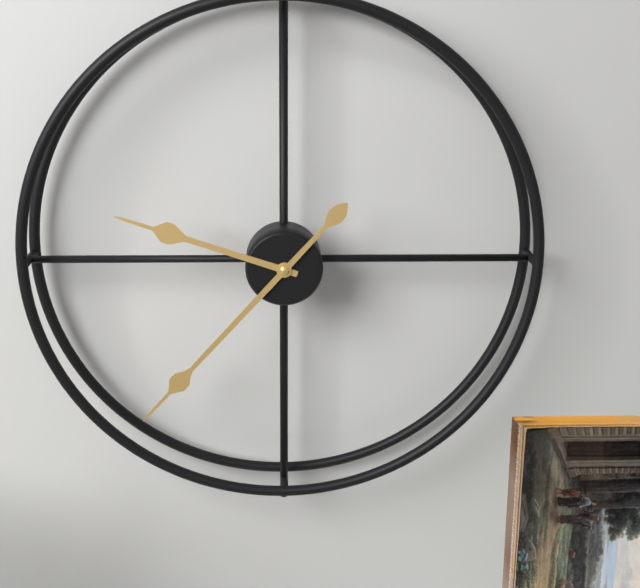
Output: {"hour": 9, "minute": 37}
